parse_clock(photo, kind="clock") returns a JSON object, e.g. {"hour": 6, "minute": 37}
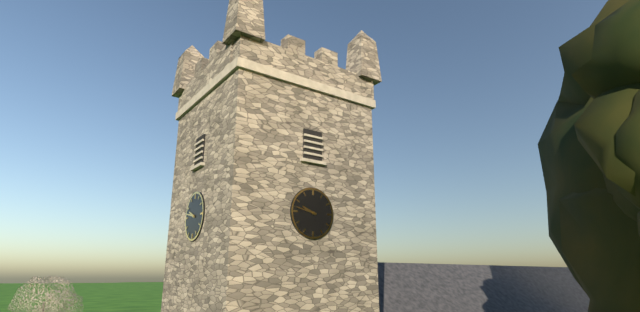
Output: {"hour": 9, "minute": 47}
